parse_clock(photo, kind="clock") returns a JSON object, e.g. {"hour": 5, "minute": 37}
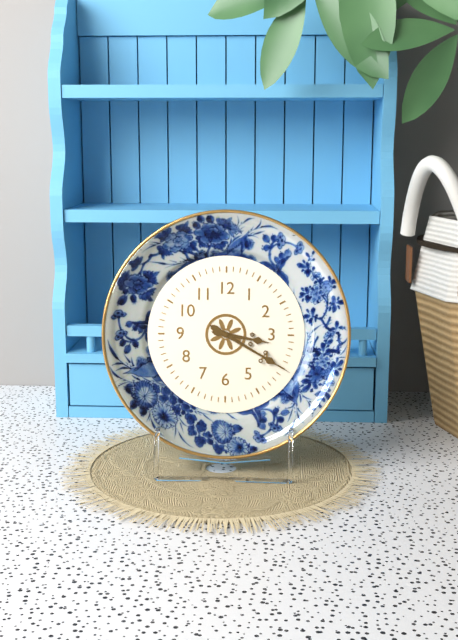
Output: {"hour": 3, "minute": 20}
